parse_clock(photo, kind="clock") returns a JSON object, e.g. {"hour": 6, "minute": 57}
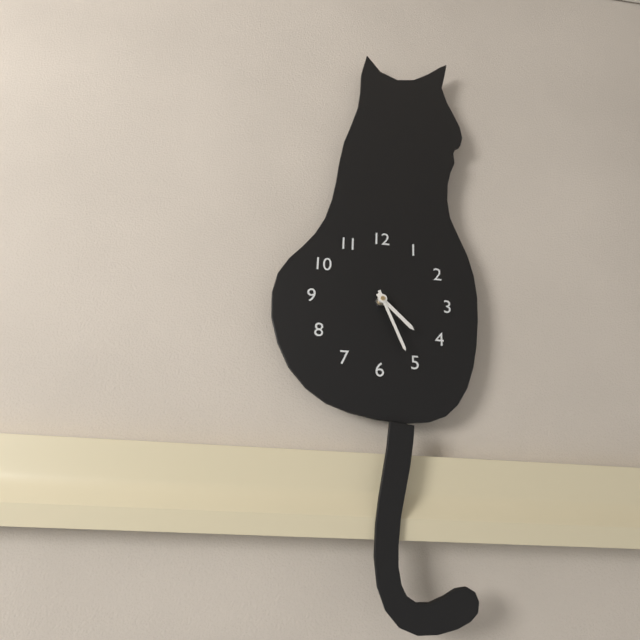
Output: {"hour": 4, "minute": 26}
